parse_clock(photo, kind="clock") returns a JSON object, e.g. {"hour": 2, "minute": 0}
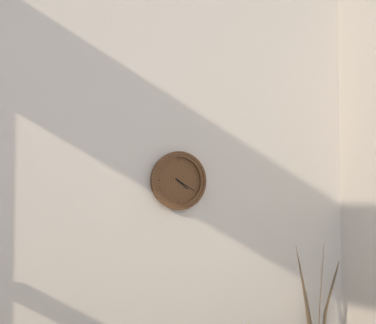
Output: {"hour": 4, "minute": 20}
